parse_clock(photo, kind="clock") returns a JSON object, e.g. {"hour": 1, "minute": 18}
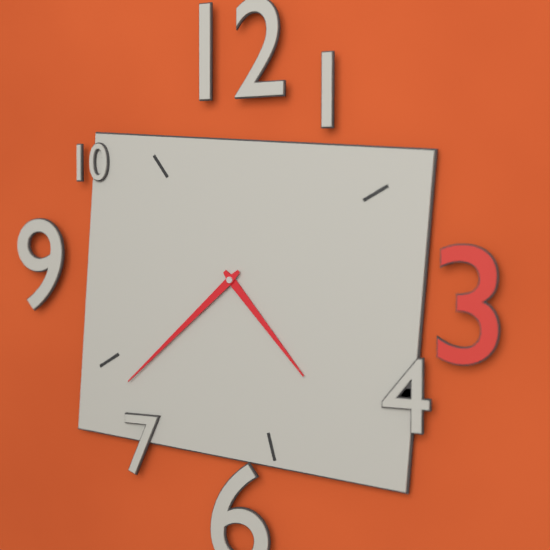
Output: {"hour": 4, "minute": 38}
